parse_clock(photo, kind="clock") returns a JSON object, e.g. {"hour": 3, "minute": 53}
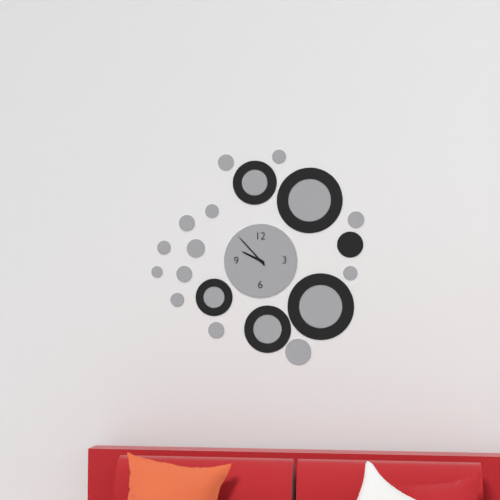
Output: {"hour": 9, "minute": 53}
